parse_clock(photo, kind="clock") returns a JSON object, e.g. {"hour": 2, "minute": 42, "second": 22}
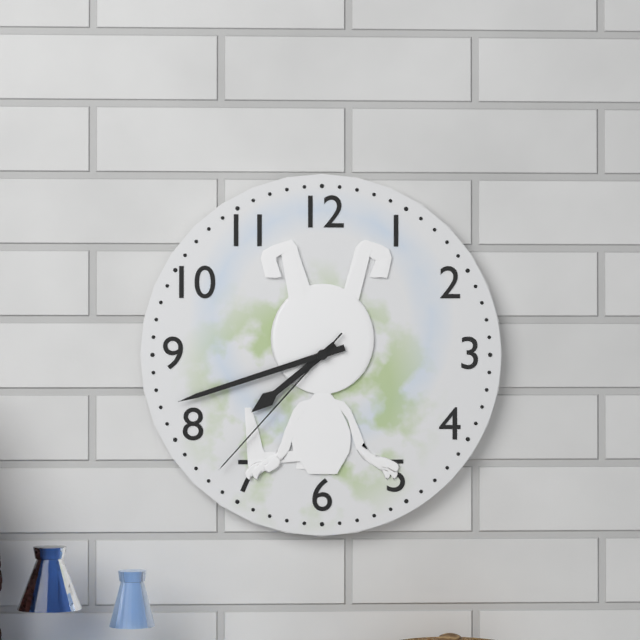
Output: {"hour": 7, "minute": 42, "second": 37}
